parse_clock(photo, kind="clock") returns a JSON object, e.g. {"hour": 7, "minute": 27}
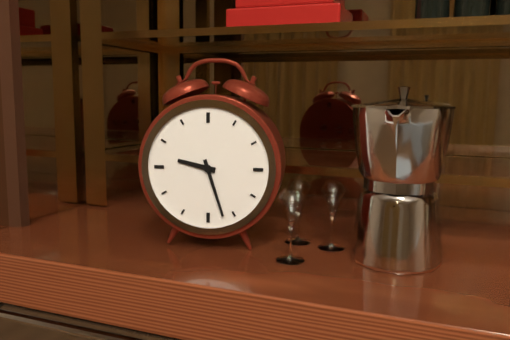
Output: {"hour": 9, "minute": 27}
